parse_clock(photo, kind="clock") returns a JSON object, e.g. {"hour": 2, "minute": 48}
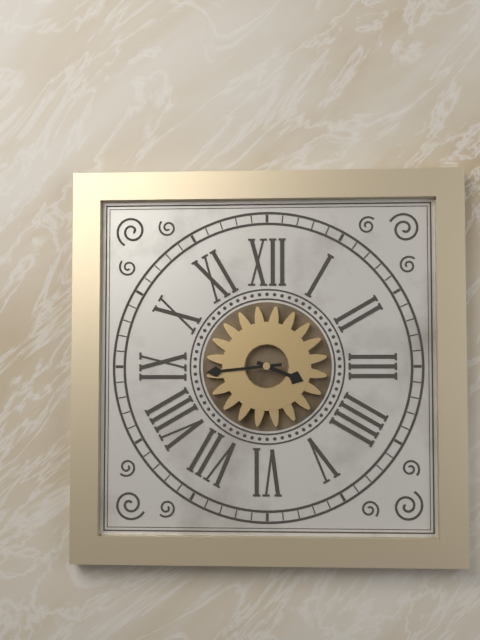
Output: {"hour": 3, "minute": 44}
